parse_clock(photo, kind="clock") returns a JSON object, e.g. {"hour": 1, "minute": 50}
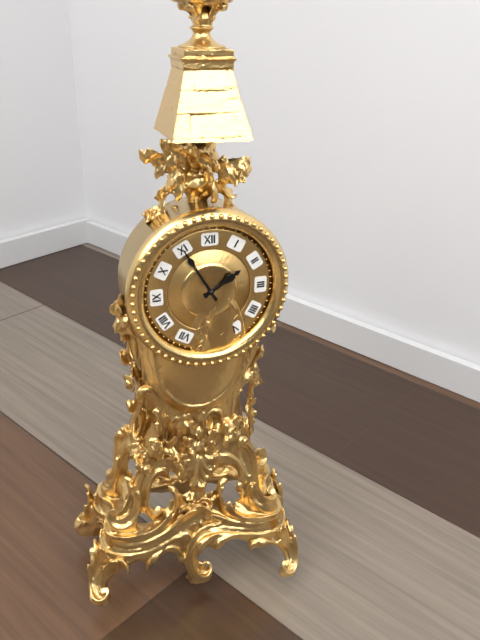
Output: {"hour": 1, "minute": 55}
